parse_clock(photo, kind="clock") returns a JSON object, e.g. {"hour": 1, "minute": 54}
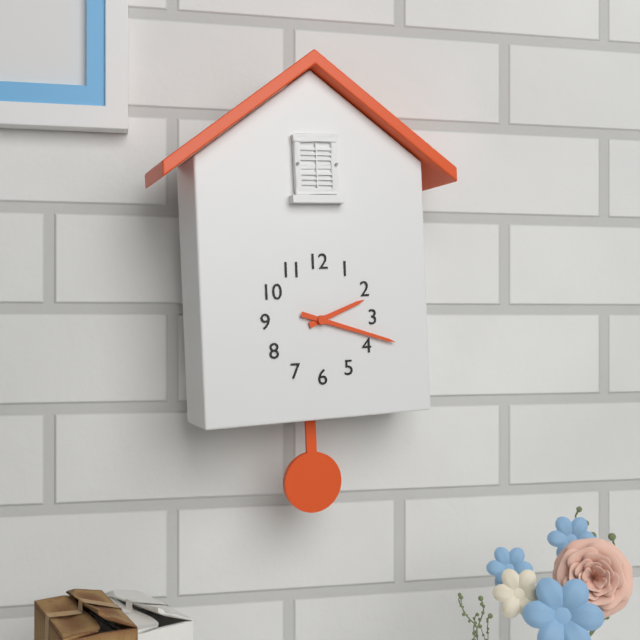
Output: {"hour": 2, "minute": 18}
